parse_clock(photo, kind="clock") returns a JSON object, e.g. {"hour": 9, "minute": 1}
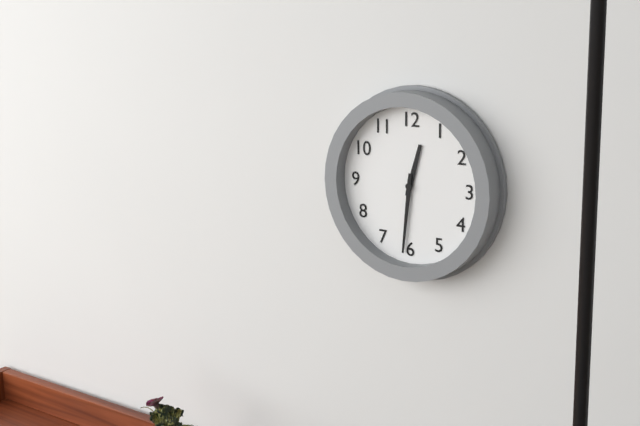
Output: {"hour": 12, "minute": 31}
